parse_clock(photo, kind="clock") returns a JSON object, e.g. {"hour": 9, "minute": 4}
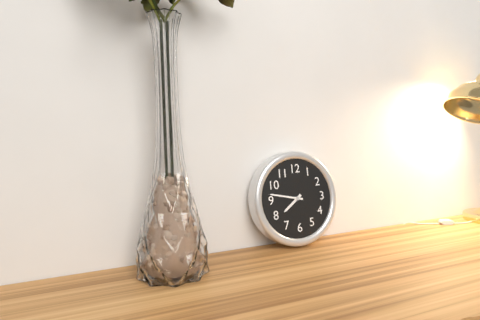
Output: {"hour": 7, "minute": 47}
